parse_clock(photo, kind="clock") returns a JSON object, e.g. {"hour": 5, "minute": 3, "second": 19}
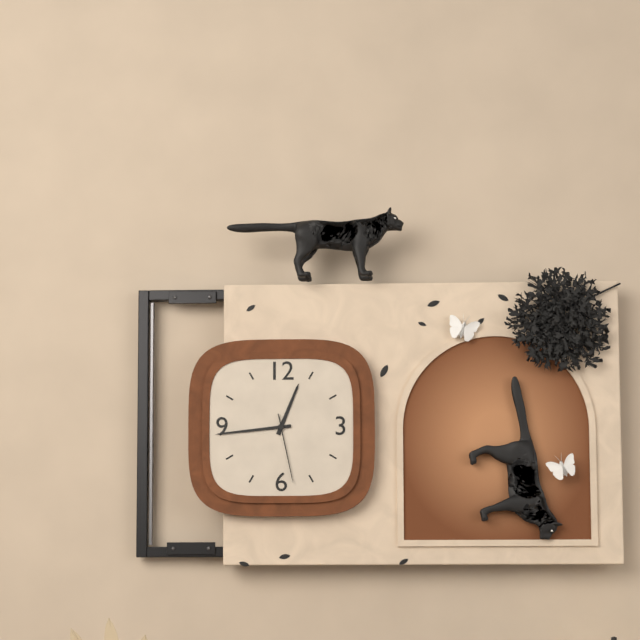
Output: {"hour": 12, "minute": 44, "second": 28}
